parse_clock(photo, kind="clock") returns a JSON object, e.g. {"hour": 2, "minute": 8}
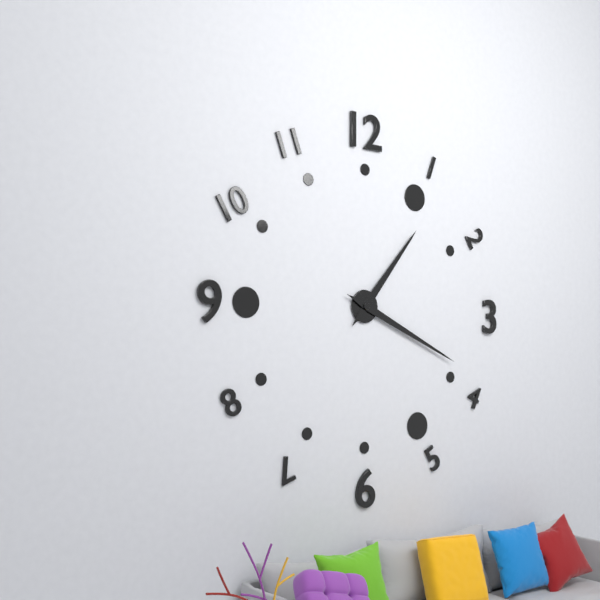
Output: {"hour": 1, "minute": 19}
